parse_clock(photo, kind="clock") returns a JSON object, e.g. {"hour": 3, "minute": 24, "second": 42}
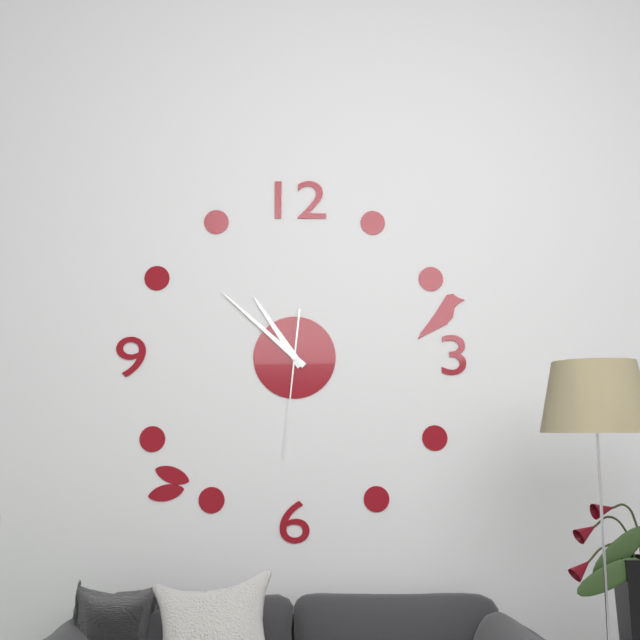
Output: {"hour": 10, "minute": 52, "second": 31}
